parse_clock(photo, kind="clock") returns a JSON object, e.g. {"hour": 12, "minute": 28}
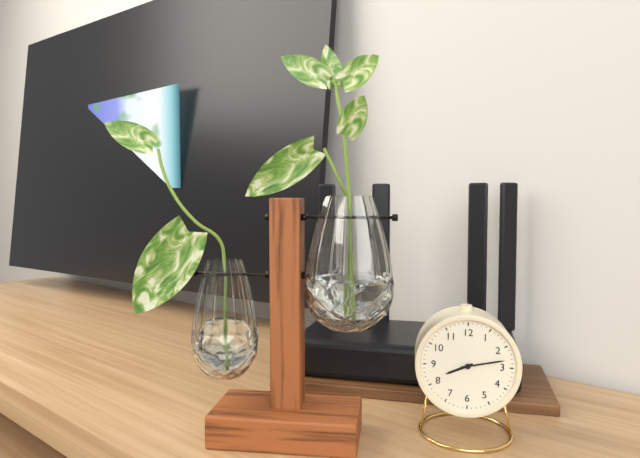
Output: {"hour": 8, "minute": 13}
